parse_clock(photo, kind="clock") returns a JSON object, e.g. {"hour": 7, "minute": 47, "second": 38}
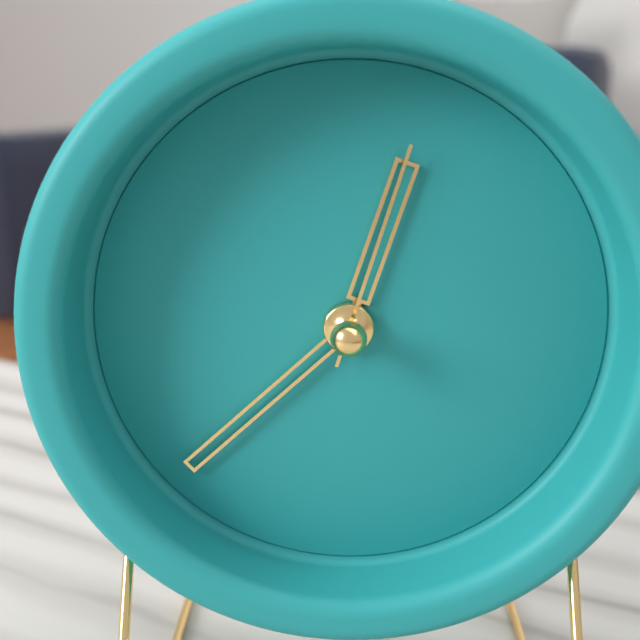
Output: {"hour": 12, "minute": 38, "second": 3}
